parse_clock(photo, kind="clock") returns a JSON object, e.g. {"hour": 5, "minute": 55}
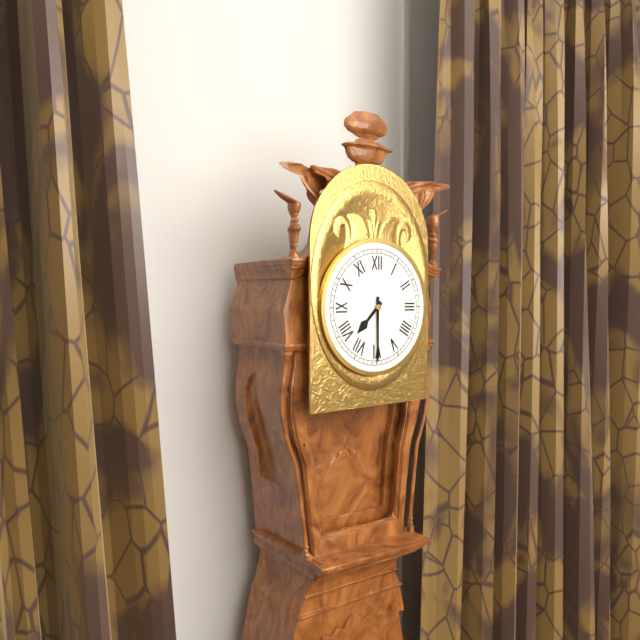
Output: {"hour": 7, "minute": 30}
